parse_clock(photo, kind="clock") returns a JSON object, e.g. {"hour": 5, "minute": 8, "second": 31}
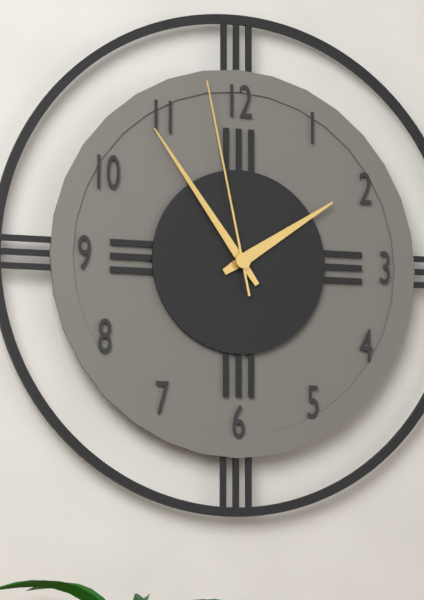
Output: {"hour": 1, "minute": 54, "second": 58}
